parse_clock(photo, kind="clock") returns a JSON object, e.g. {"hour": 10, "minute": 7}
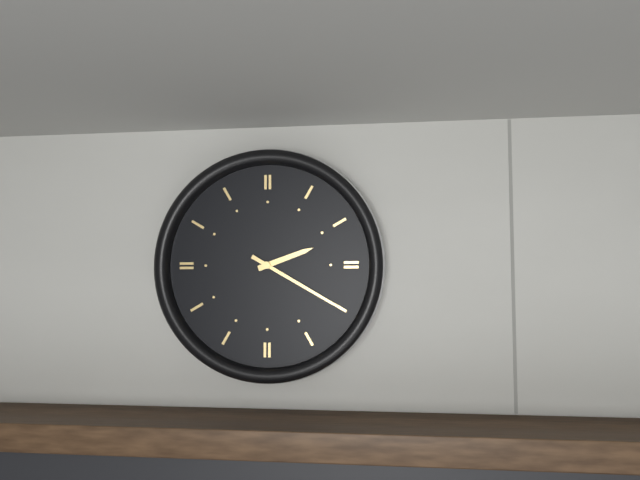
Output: {"hour": 2, "minute": 20}
